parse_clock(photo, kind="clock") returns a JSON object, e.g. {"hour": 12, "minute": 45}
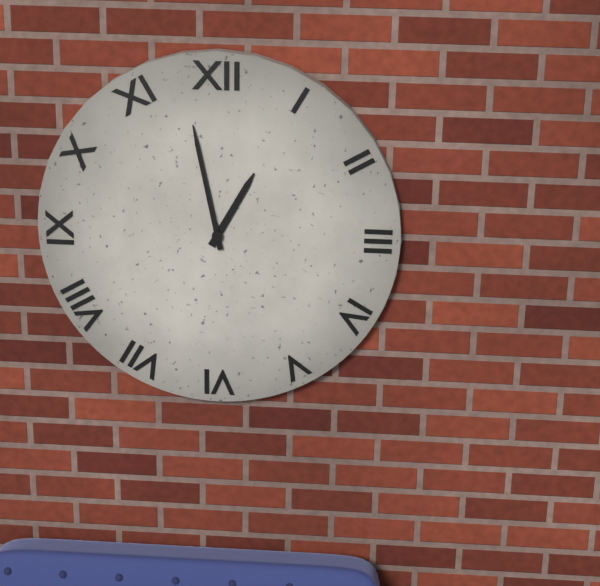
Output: {"hour": 12, "minute": 58}
